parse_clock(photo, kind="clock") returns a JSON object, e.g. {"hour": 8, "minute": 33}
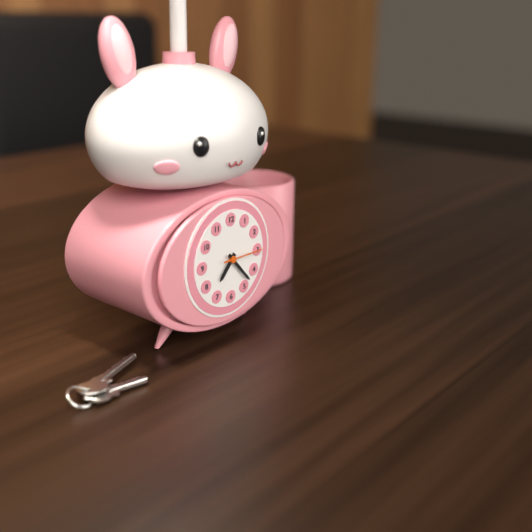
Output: {"hour": 7, "minute": 23}
